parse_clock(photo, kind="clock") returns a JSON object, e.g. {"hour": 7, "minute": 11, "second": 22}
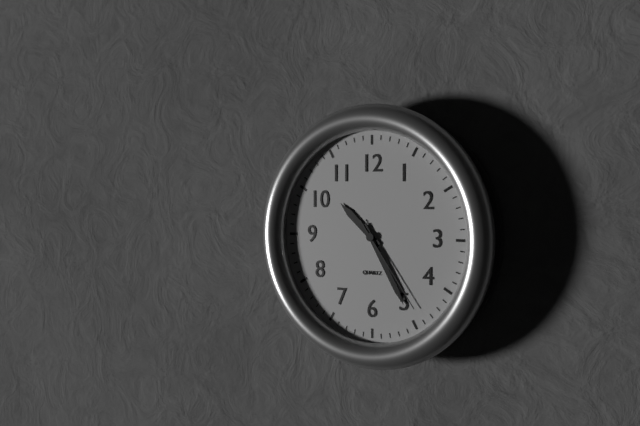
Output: {"hour": 10, "minute": 25, "second": 24}
